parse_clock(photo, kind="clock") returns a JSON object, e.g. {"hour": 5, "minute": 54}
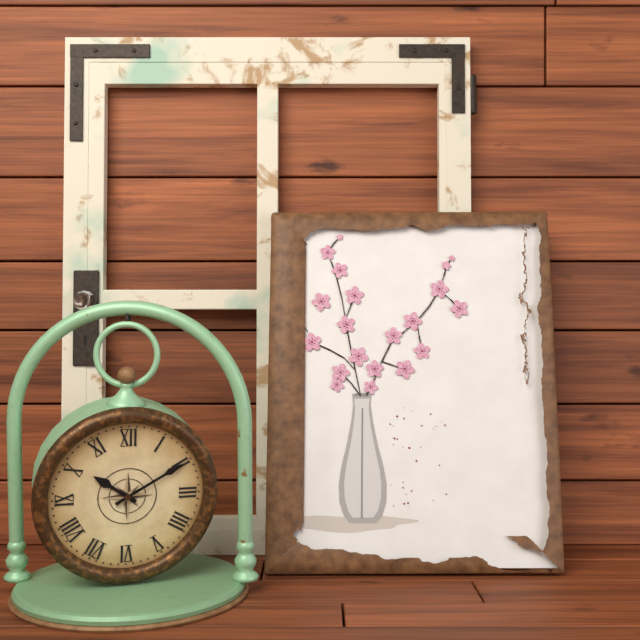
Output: {"hour": 10, "minute": 10}
